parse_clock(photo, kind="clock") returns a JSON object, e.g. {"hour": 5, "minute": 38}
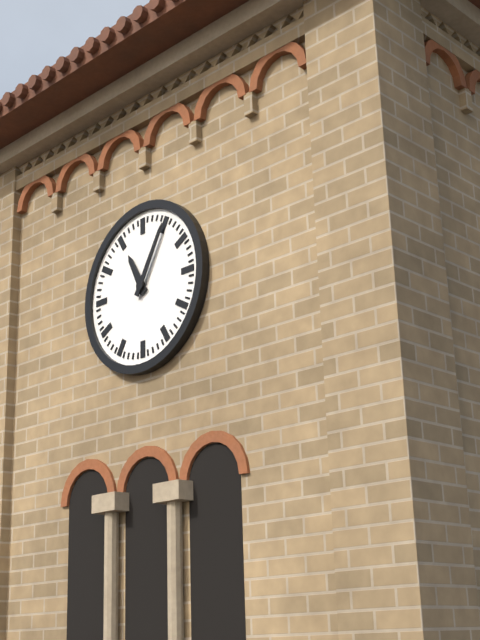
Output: {"hour": 11, "minute": 5}
